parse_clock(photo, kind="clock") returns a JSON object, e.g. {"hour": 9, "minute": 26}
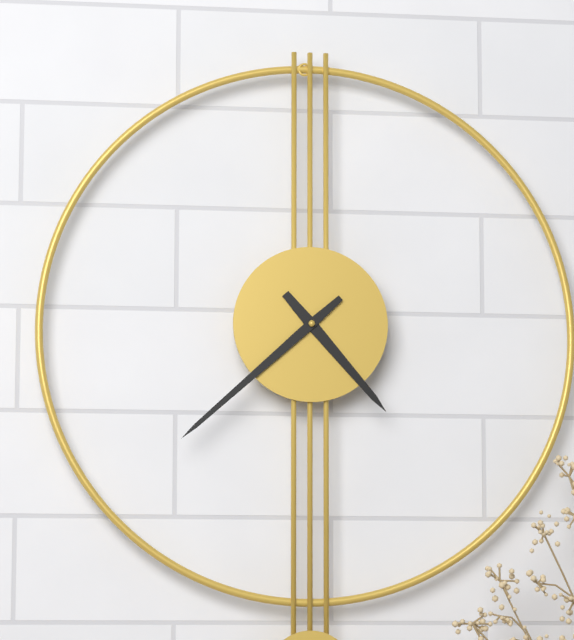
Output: {"hour": 4, "minute": 38}
